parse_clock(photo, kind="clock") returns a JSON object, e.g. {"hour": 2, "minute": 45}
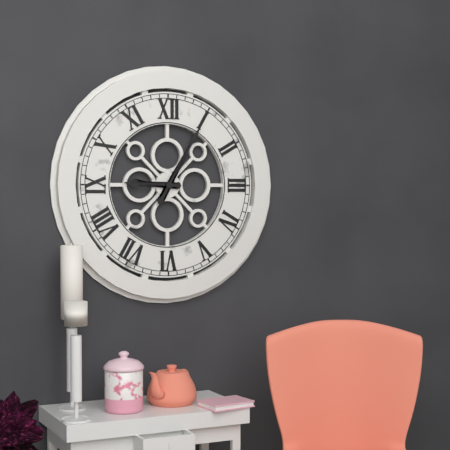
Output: {"hour": 9, "minute": 5}
